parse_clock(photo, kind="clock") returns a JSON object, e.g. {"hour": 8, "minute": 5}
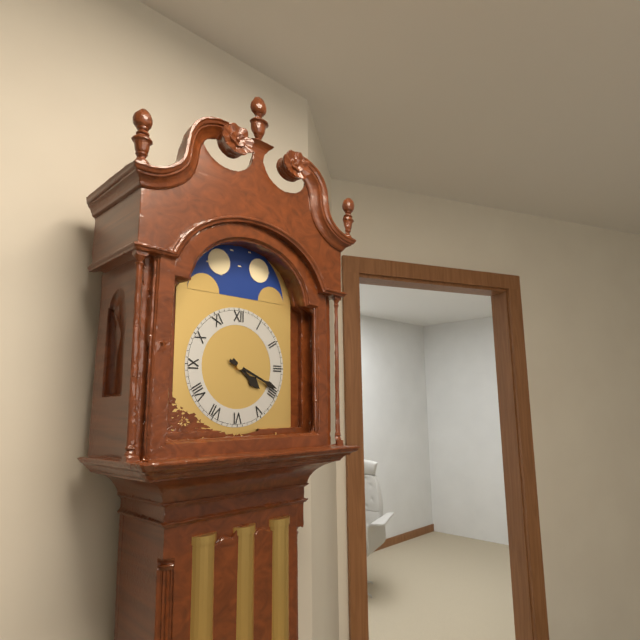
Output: {"hour": 4, "minute": 19}
